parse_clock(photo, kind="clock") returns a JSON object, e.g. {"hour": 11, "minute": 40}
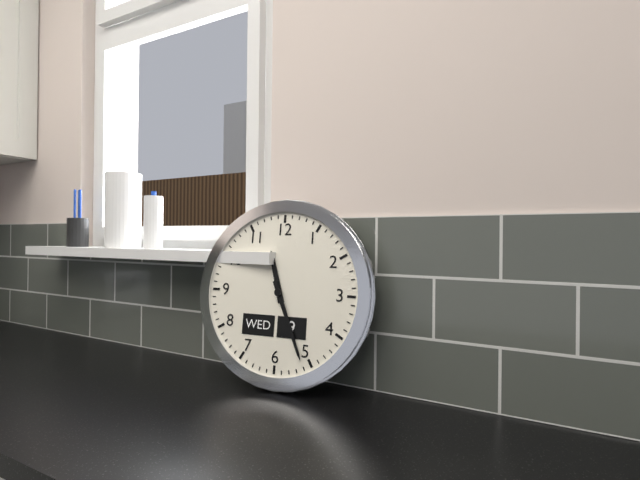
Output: {"hour": 11, "minute": 26}
